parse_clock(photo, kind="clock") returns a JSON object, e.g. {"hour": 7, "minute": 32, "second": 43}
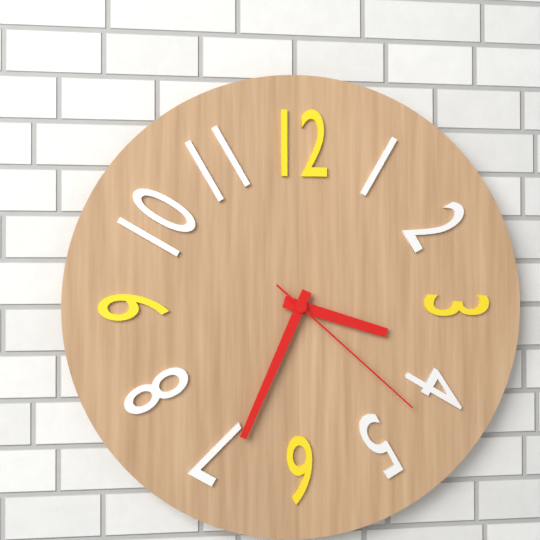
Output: {"hour": 3, "minute": 34, "second": 22}
